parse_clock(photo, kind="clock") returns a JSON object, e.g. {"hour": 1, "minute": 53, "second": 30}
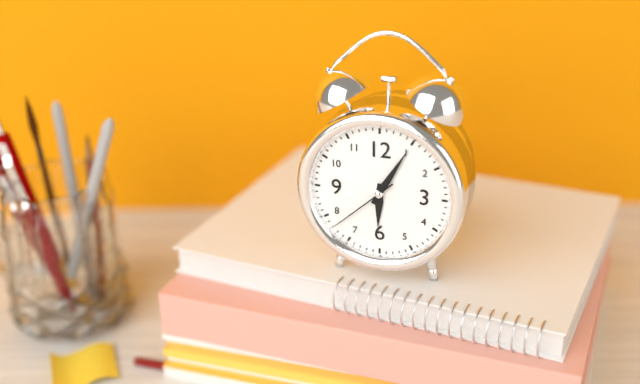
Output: {"hour": 6, "minute": 5, "second": 38}
